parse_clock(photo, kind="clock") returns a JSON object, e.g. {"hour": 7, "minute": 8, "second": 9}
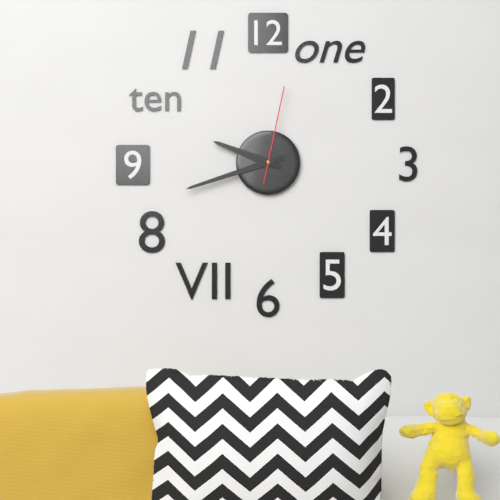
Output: {"hour": 9, "minute": 42, "second": 2}
